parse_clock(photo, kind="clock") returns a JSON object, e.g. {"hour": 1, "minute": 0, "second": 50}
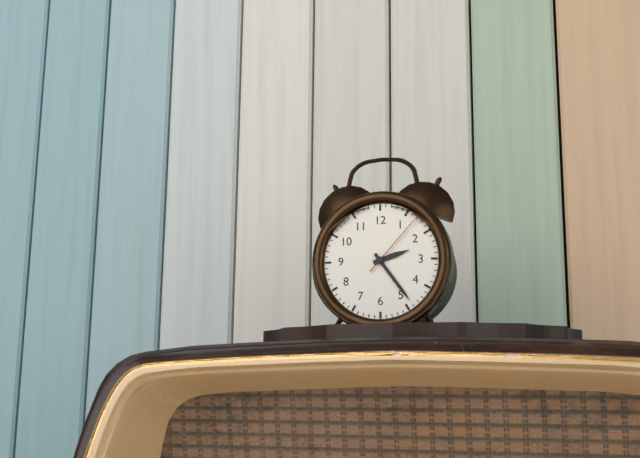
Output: {"hour": 2, "minute": 24, "second": 7}
